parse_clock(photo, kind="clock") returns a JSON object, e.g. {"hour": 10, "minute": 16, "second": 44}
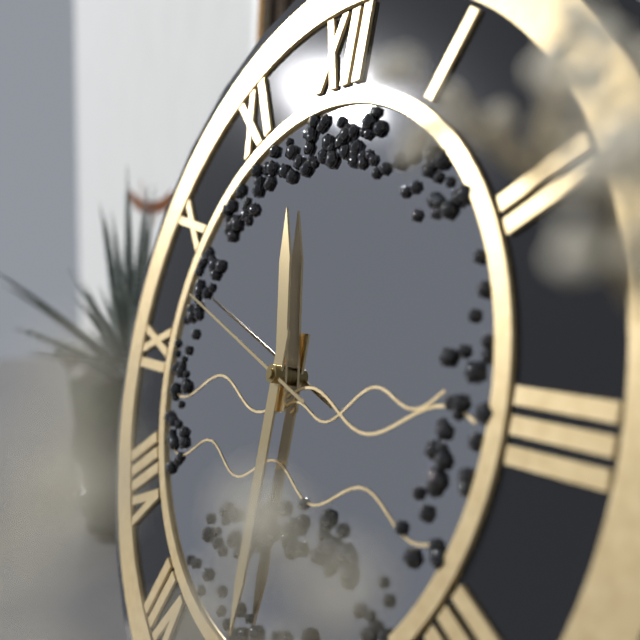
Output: {"hour": 11, "minute": 30, "second": 48}
